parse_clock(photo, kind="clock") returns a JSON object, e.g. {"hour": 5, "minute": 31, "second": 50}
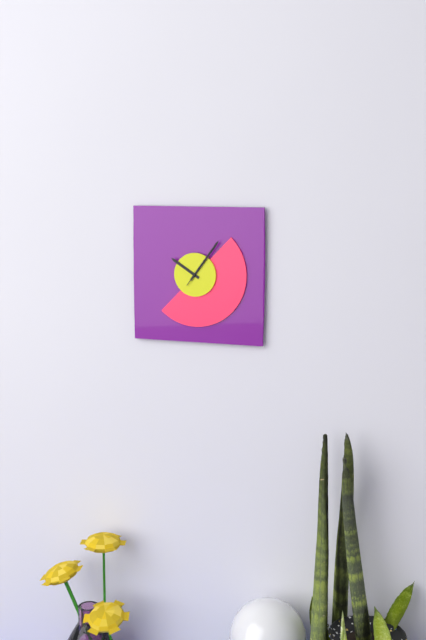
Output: {"hour": 10, "minute": 6, "second": 6}
